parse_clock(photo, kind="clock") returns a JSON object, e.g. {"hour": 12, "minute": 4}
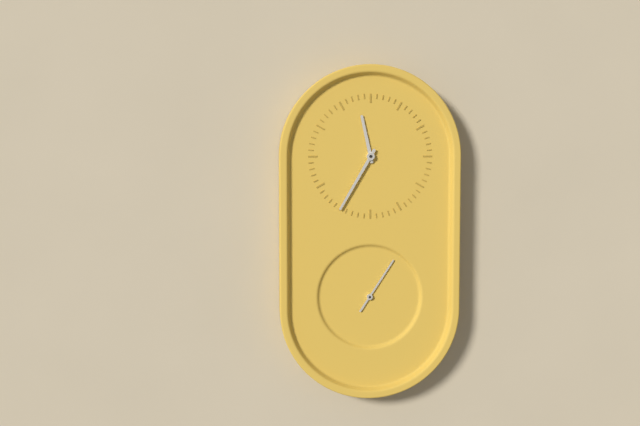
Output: {"hour": 11, "minute": 35}
